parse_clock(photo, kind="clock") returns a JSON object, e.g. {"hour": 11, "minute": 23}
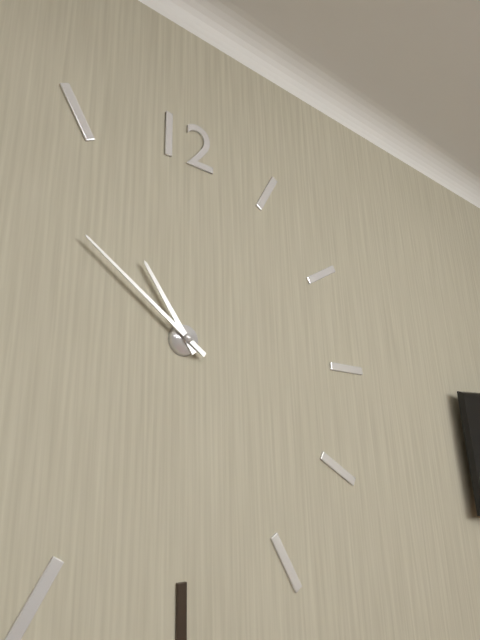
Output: {"hour": 10, "minute": 51}
